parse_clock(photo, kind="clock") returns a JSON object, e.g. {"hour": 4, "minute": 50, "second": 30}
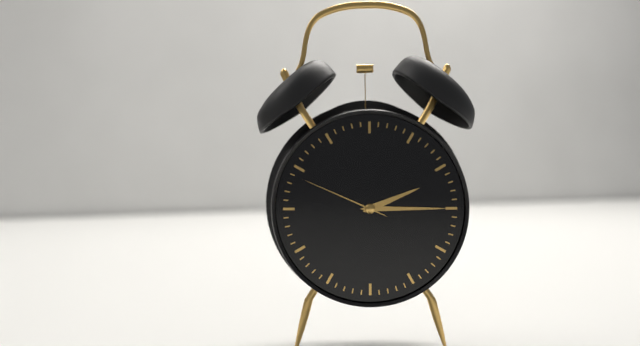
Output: {"hour": 2, "minute": 15, "second": 49}
